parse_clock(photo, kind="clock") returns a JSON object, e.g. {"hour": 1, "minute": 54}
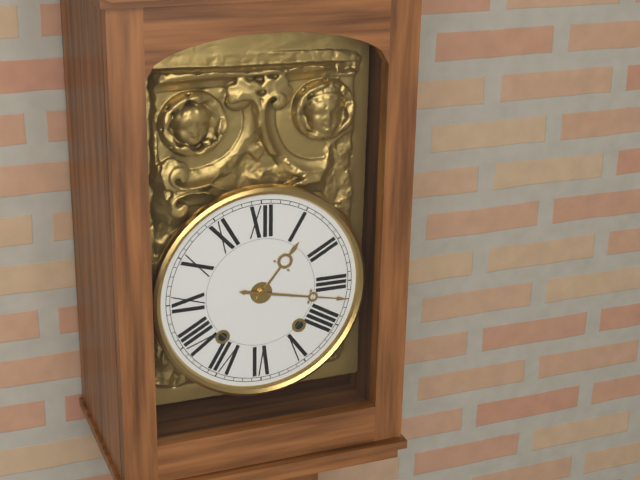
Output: {"hour": 1, "minute": 17}
